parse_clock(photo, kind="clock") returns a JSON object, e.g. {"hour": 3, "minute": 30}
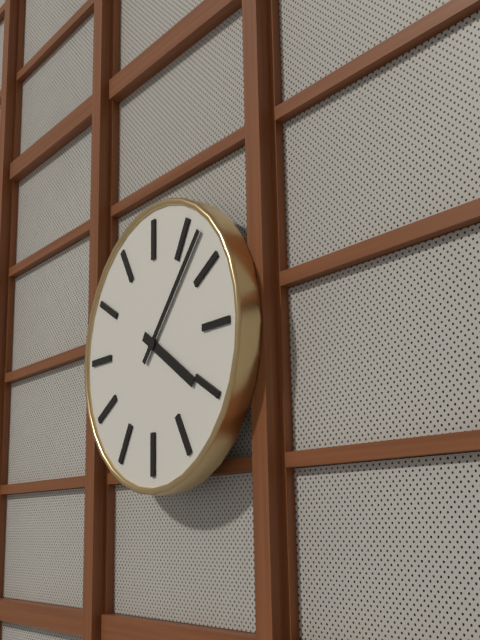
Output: {"hour": 4, "minute": 7}
